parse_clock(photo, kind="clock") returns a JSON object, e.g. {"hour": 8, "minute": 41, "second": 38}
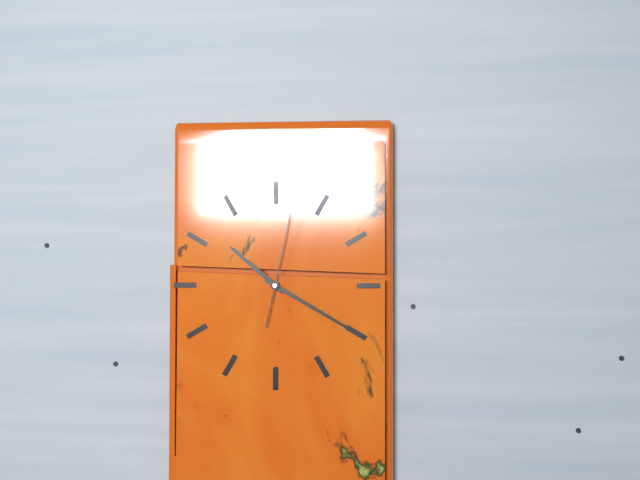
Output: {"hour": 10, "minute": 20, "second": 2}
